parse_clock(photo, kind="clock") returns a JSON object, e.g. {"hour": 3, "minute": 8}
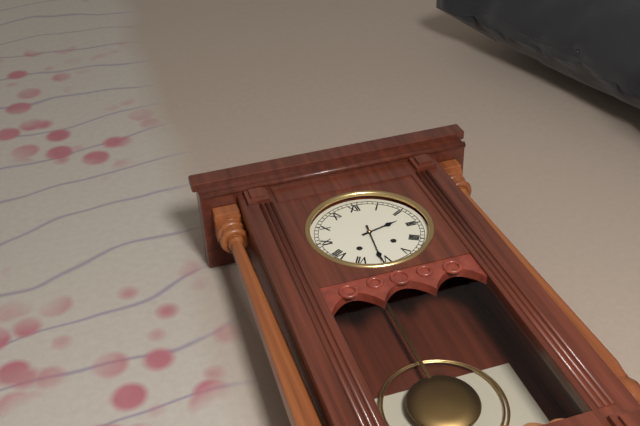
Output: {"hour": 2, "minute": 31}
